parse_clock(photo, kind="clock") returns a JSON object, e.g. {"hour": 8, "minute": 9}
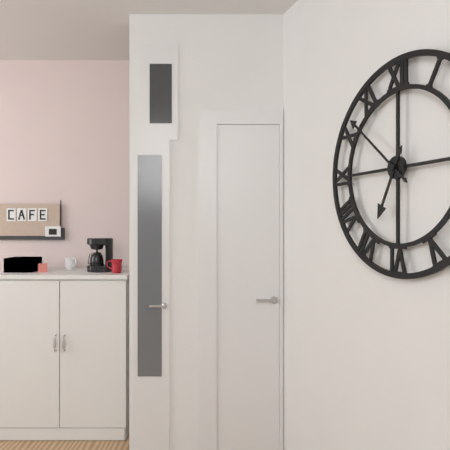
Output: {"hour": 6, "minute": 52}
